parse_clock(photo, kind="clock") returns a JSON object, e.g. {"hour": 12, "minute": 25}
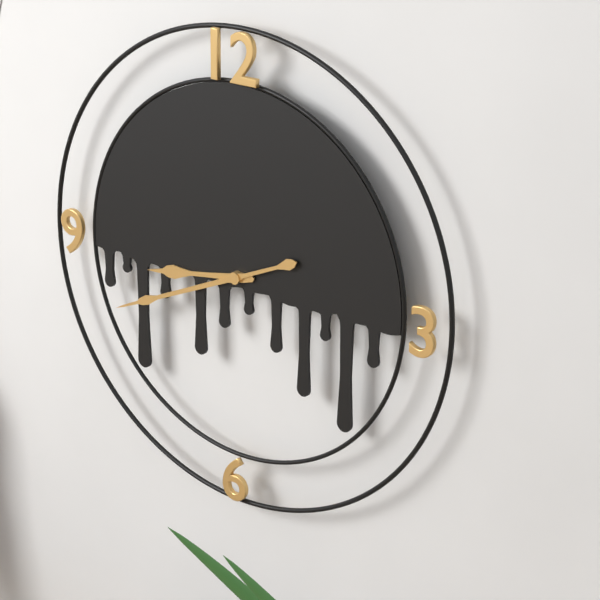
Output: {"hour": 8, "minute": 41}
